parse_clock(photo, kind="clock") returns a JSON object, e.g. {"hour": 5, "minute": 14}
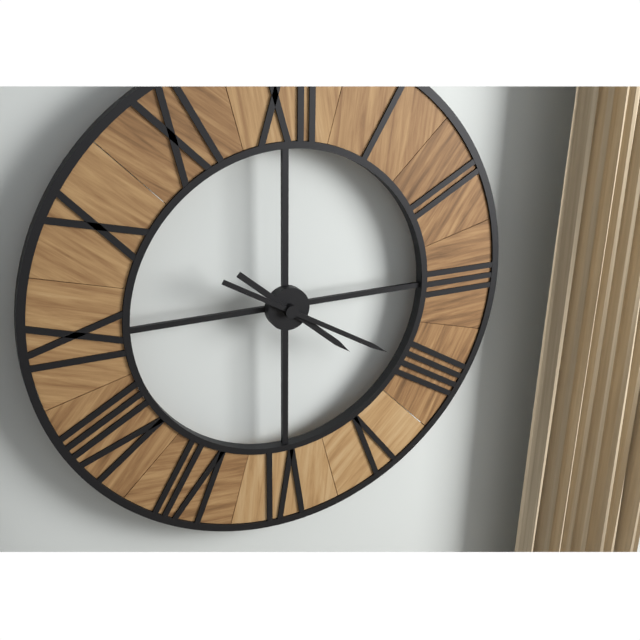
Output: {"hour": 4, "minute": 20}
